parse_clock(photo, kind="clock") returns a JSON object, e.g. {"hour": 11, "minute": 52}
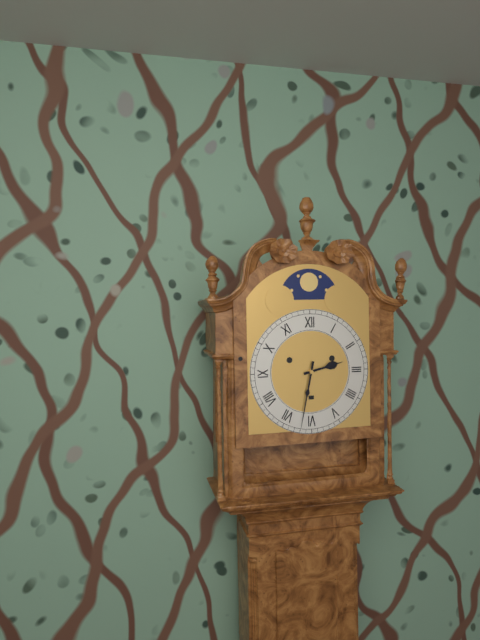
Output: {"hour": 2, "minute": 32}
